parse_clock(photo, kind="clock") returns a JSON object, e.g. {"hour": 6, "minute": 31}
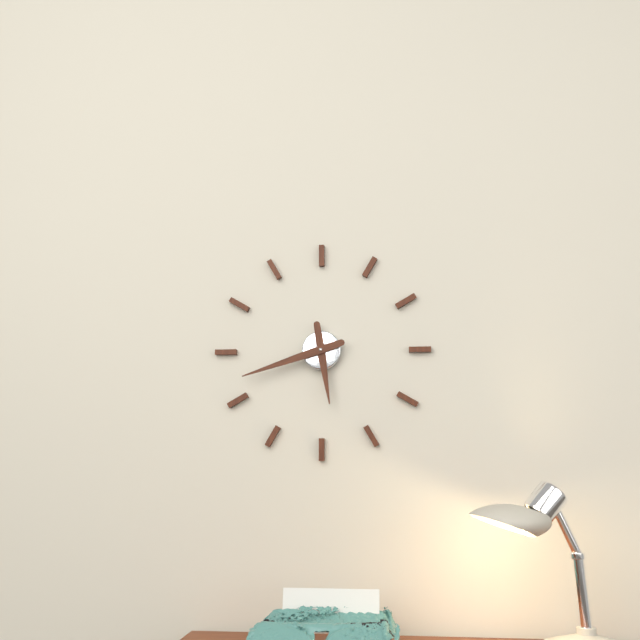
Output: {"hour": 5, "minute": 42}
